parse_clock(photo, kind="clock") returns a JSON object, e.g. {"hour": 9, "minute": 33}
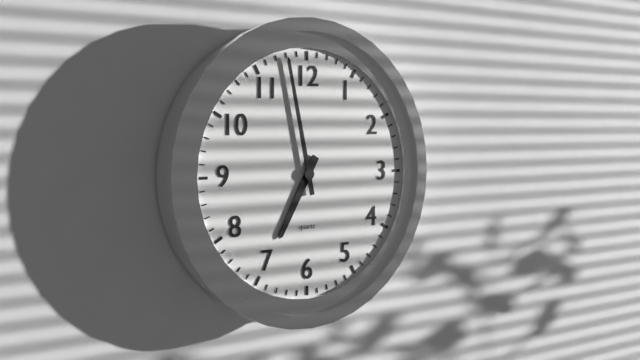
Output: {"hour": 6, "minute": 58}
